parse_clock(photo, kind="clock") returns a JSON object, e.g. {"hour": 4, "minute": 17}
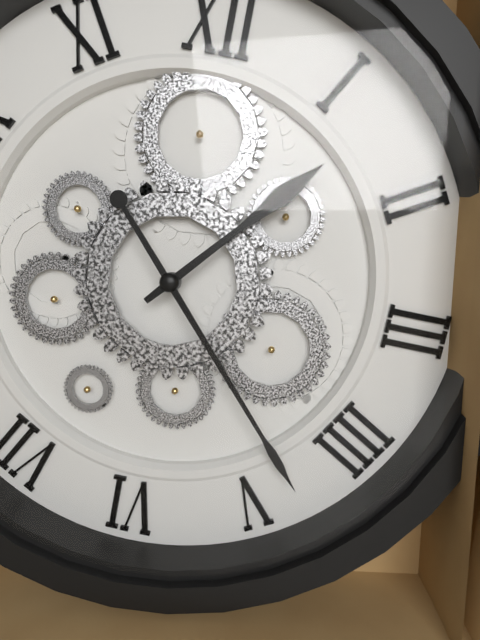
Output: {"hour": 1, "minute": 23}
